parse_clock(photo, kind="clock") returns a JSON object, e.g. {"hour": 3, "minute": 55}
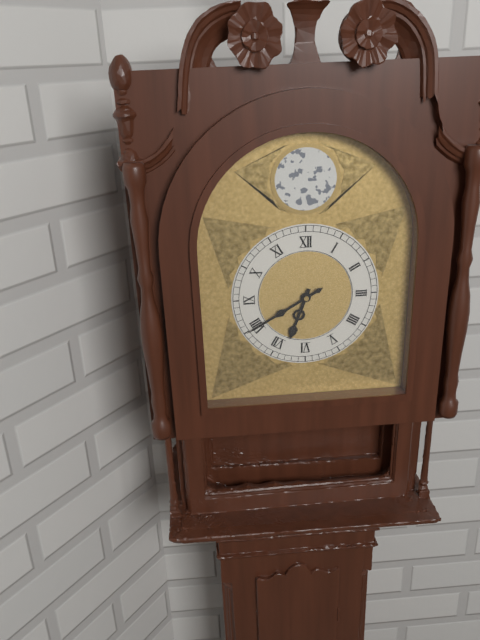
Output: {"hour": 6, "minute": 40}
